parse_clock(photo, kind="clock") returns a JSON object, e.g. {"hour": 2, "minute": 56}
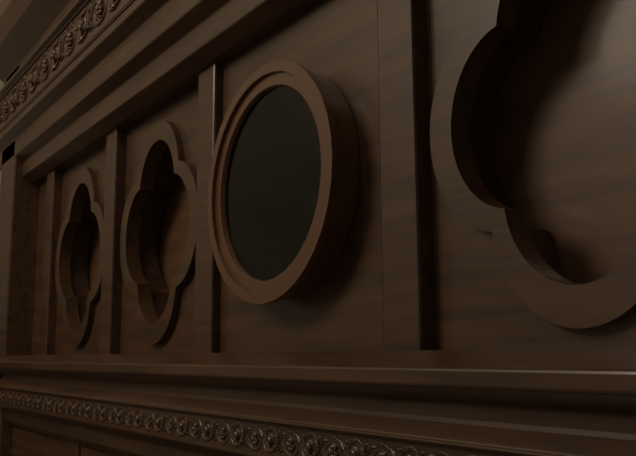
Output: {"hour": 8, "minute": 17}
